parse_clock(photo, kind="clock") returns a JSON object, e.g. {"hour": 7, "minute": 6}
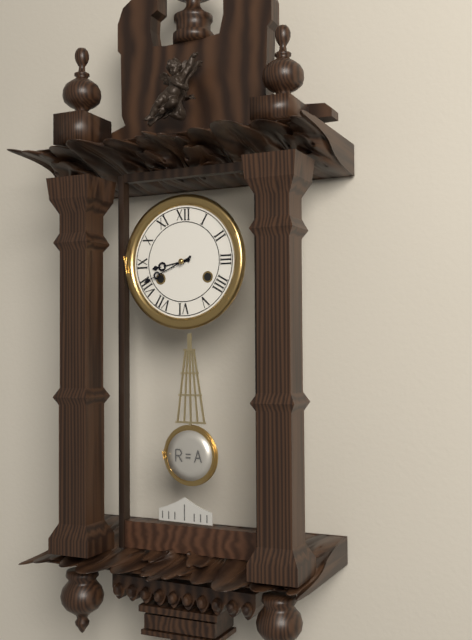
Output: {"hour": 8, "minute": 41}
